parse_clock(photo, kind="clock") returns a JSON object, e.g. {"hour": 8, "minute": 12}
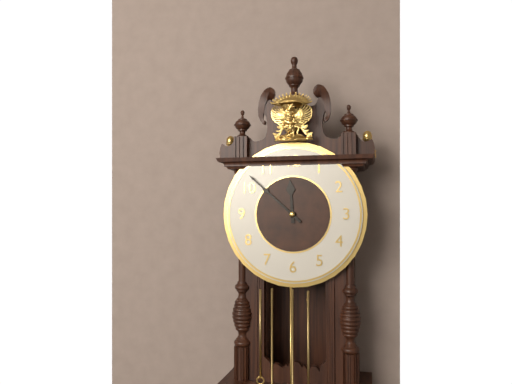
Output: {"hour": 11, "minute": 52}
